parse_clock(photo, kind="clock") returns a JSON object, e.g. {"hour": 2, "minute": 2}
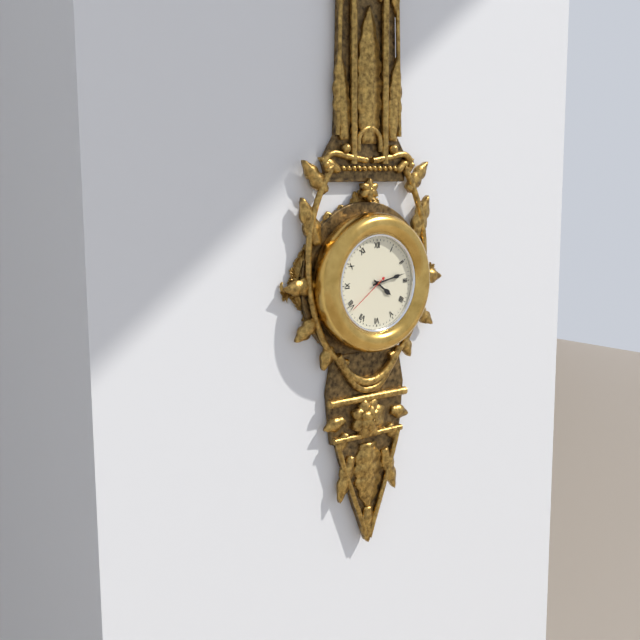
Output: {"hour": 4, "minute": 13}
